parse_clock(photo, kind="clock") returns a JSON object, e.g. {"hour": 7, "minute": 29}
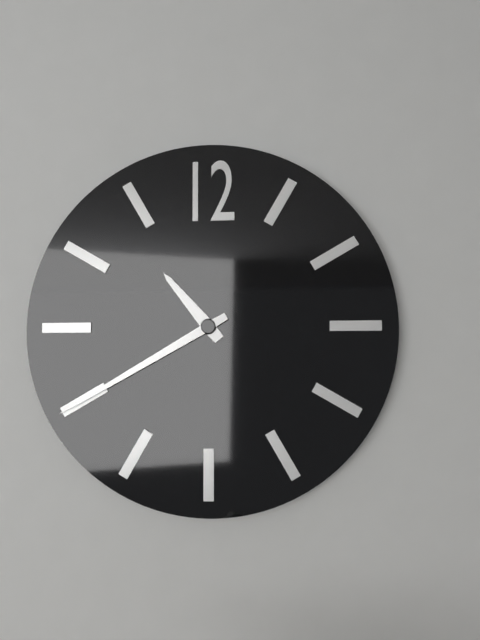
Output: {"hour": 10, "minute": 40}
